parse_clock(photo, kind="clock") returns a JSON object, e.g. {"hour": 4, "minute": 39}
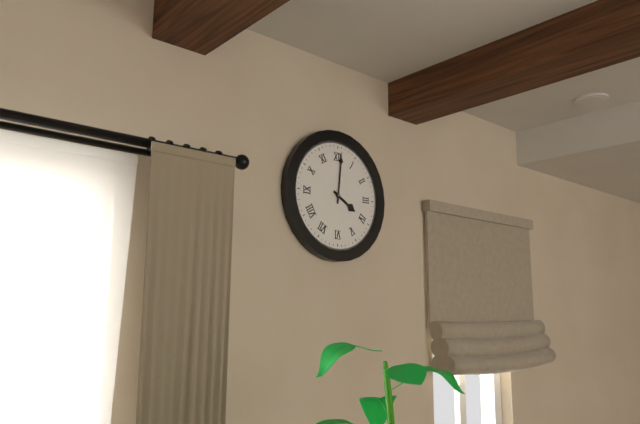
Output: {"hour": 4, "minute": 1}
